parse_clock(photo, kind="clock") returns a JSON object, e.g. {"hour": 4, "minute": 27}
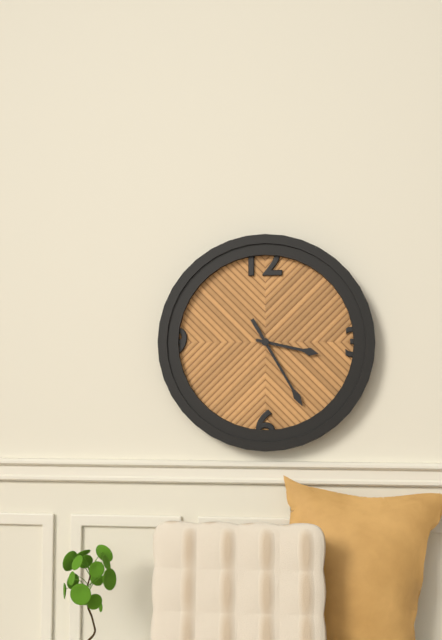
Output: {"hour": 3, "minute": 25}
